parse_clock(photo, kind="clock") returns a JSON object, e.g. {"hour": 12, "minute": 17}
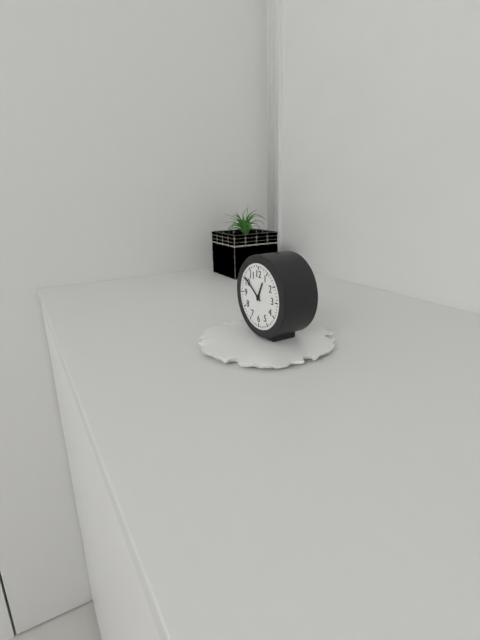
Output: {"hour": 12, "minute": 51}
